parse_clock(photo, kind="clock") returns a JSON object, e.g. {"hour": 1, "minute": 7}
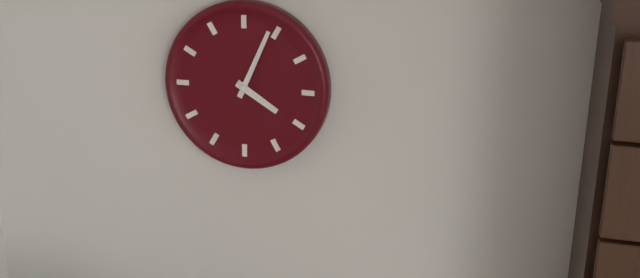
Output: {"hour": 4, "minute": 4}
